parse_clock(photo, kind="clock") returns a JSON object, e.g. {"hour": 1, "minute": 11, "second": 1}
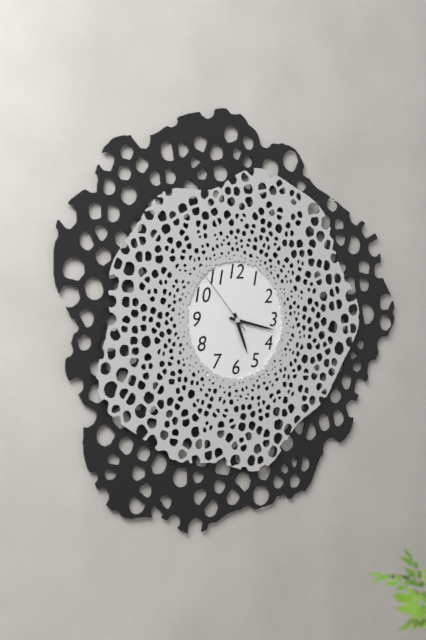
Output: {"hour": 5, "minute": 17, "second": 53}
